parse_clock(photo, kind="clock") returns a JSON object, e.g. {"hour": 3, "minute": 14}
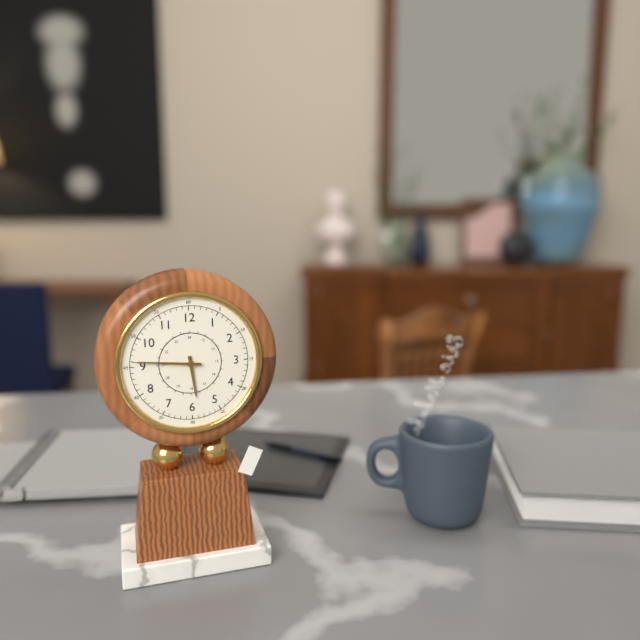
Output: {"hour": 5, "minute": 46}
